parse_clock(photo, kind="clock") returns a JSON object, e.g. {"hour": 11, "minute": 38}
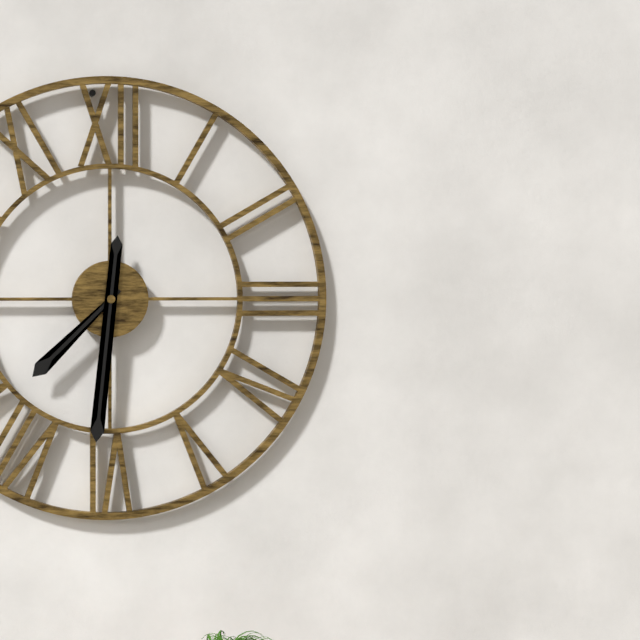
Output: {"hour": 7, "minute": 31}
